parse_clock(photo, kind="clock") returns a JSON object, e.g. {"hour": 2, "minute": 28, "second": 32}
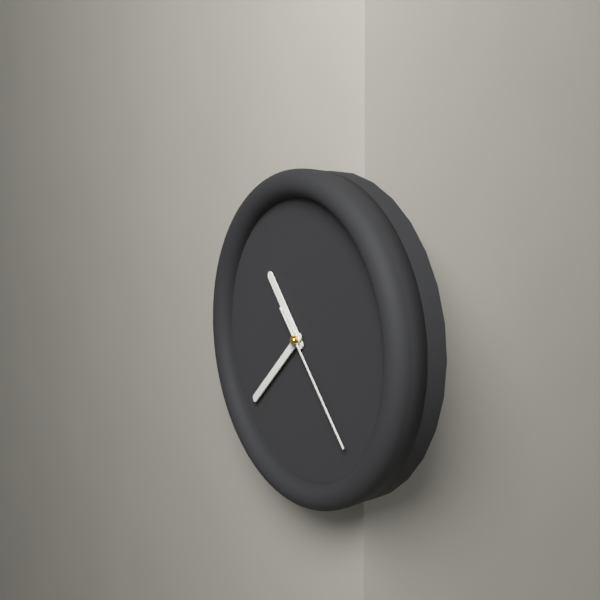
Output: {"hour": 10, "minute": 38, "second": 23}
